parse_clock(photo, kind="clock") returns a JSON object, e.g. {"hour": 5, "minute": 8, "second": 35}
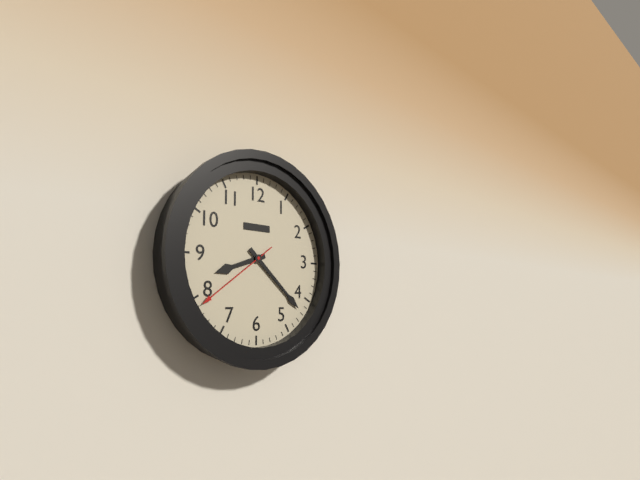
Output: {"hour": 8, "minute": 22, "second": 39}
